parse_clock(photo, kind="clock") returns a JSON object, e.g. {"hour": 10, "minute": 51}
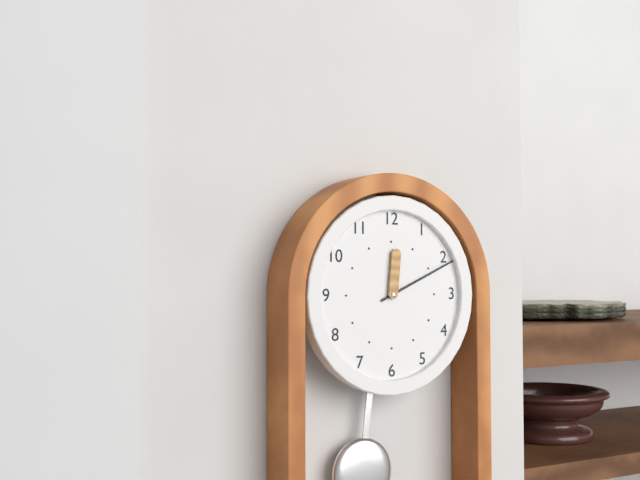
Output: {"hour": 12, "minute": 11}
